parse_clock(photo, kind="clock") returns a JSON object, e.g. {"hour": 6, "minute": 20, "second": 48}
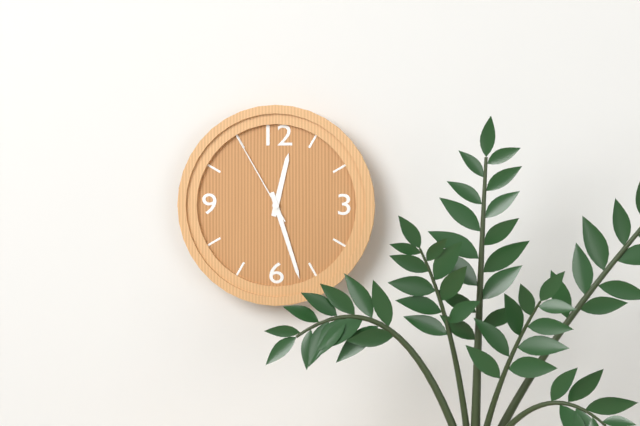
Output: {"hour": 12, "minute": 27, "second": 55}
